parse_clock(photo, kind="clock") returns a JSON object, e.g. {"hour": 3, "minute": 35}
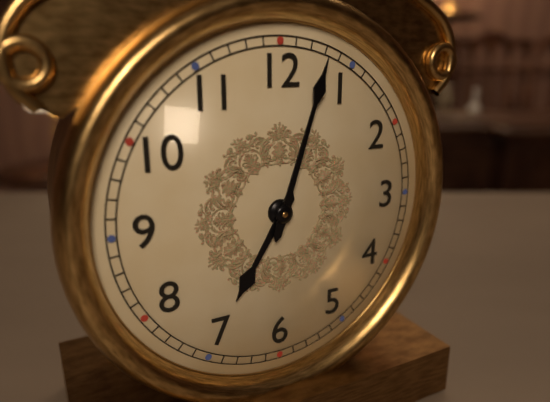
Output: {"hour": 7, "minute": 3}
